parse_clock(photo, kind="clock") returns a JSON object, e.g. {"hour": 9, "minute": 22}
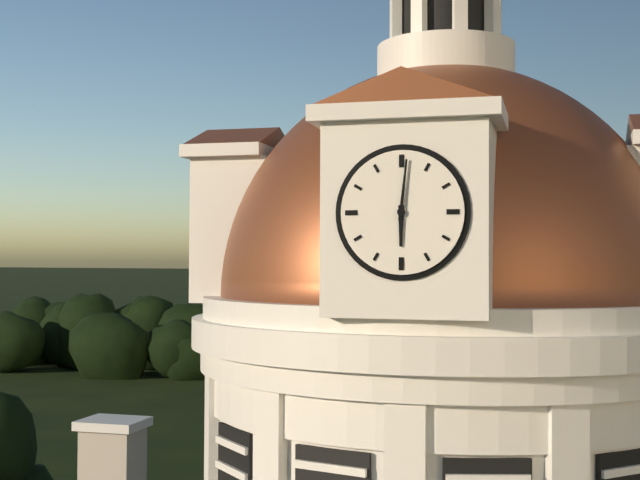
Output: {"hour": 6, "minute": 1}
